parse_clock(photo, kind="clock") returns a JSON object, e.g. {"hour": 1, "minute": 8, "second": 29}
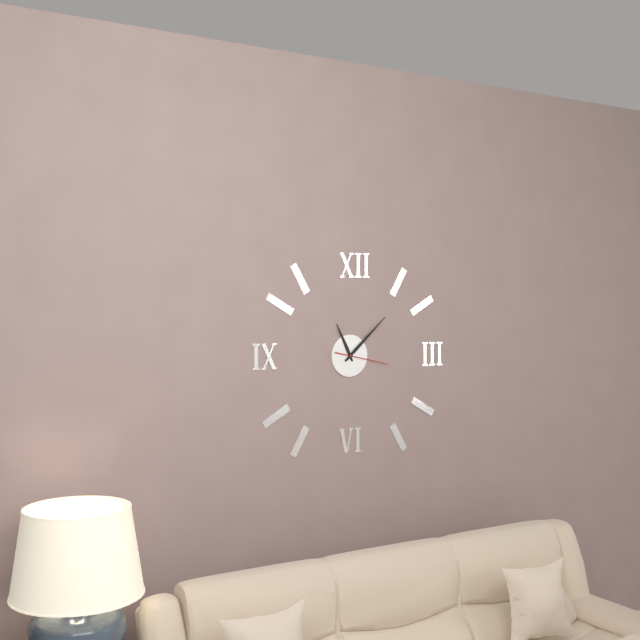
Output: {"hour": 11, "minute": 8, "second": 17}
